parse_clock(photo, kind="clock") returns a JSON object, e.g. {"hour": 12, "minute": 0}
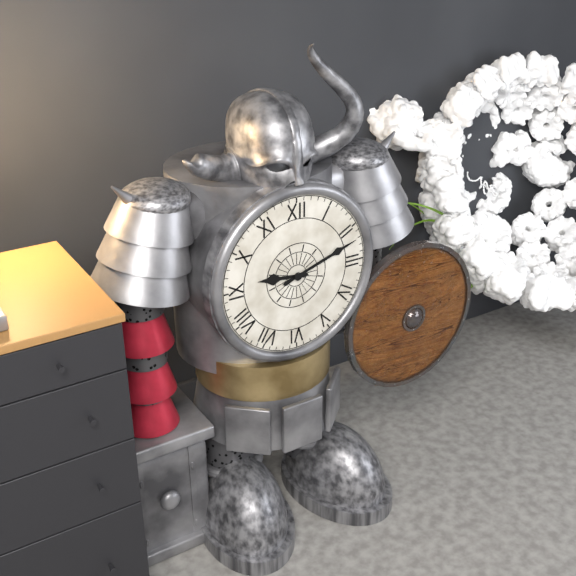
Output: {"hour": 9, "minute": 12}
